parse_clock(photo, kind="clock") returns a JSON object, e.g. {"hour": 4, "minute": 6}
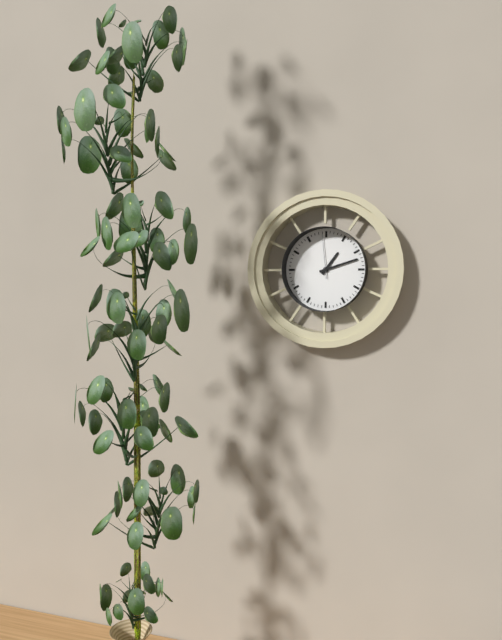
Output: {"hour": 1, "minute": 12}
